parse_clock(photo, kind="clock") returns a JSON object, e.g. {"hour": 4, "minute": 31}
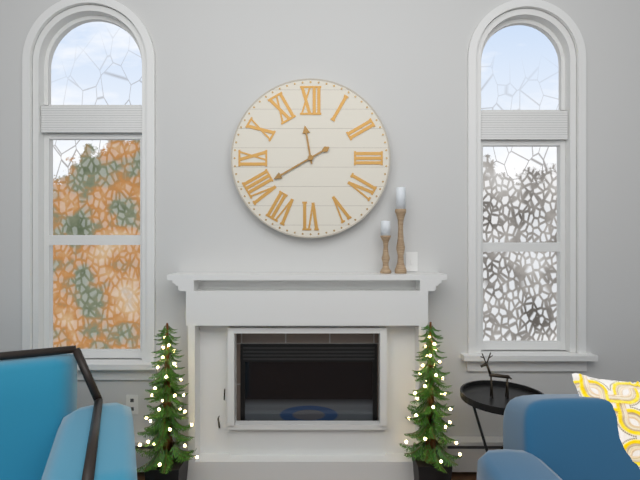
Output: {"hour": 11, "minute": 40}
